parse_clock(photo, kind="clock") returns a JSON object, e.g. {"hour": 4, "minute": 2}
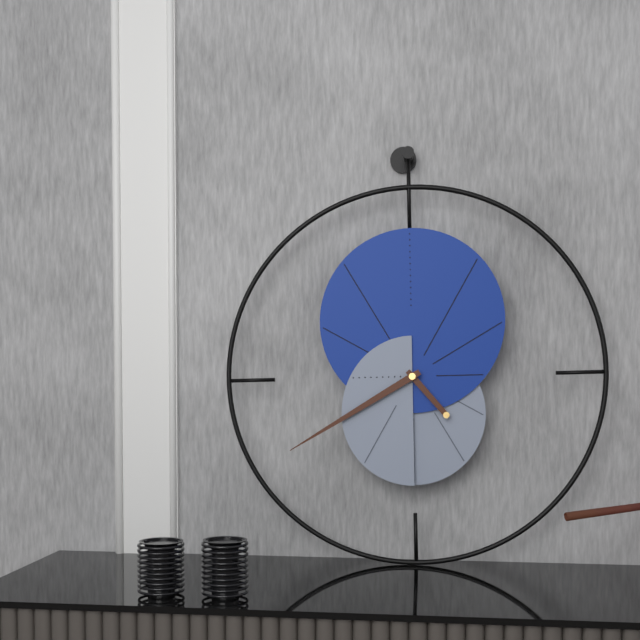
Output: {"hour": 4, "minute": 40}
